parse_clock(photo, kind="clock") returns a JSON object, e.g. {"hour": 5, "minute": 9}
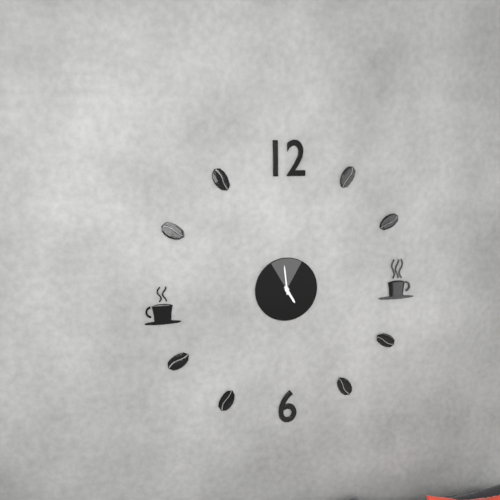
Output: {"hour": 4, "minute": 59}
